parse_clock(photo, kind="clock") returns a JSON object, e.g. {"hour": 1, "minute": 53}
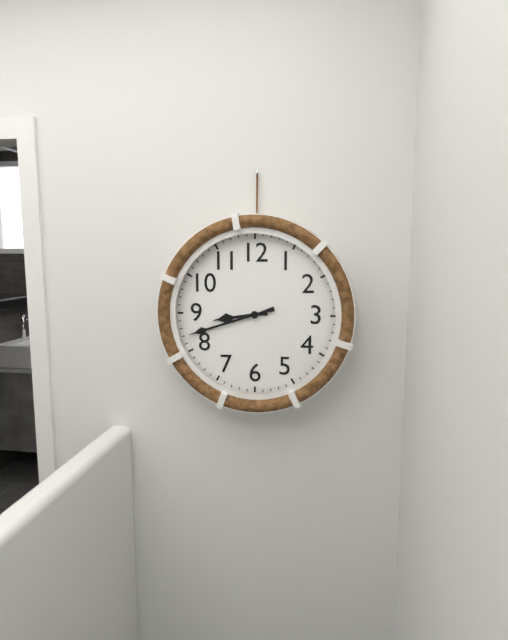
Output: {"hour": 8, "minute": 42}
